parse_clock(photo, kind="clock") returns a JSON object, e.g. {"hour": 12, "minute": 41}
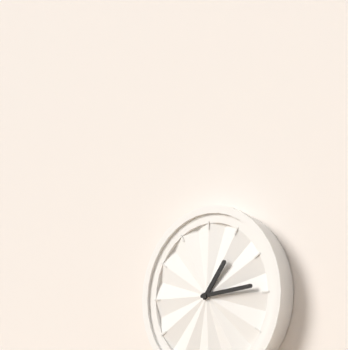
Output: {"hour": 1, "minute": 14}
